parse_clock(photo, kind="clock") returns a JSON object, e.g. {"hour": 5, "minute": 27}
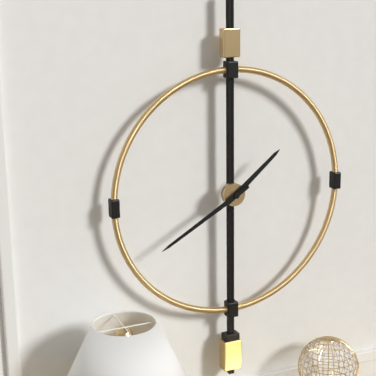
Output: {"hour": 1, "minute": 40}
